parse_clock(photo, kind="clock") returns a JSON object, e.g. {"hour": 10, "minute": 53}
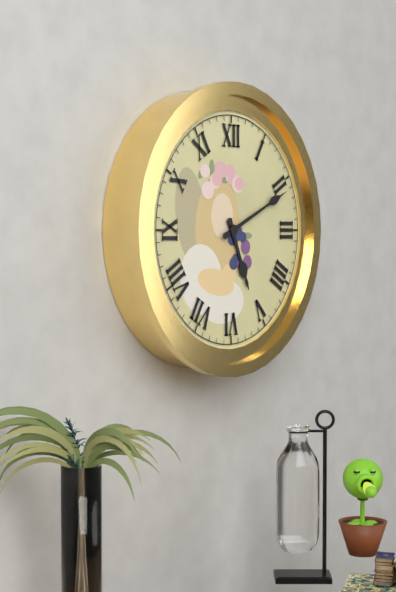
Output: {"hour": 5, "minute": 11}
